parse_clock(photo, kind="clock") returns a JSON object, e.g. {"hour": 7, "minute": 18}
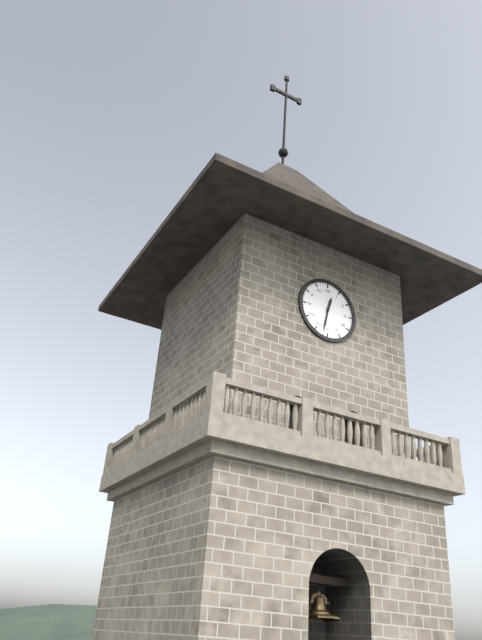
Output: {"hour": 12, "minute": 32}
